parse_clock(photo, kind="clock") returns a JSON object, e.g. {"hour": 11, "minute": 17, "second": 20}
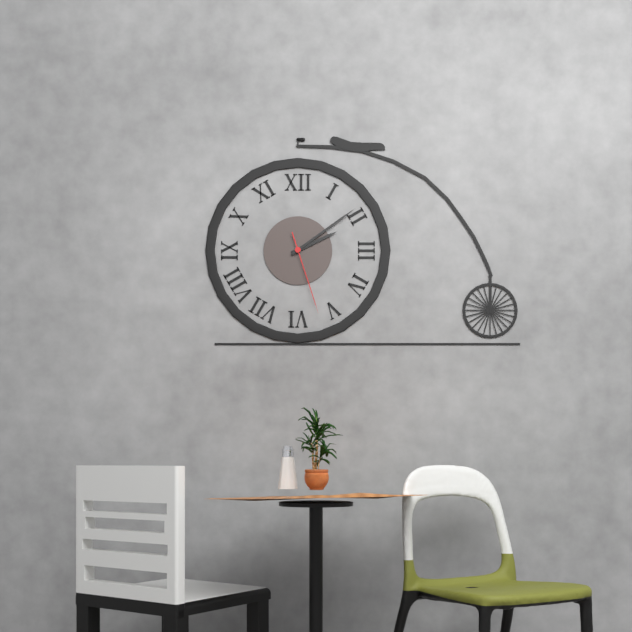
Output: {"hour": 2, "minute": 9, "second": 27}
